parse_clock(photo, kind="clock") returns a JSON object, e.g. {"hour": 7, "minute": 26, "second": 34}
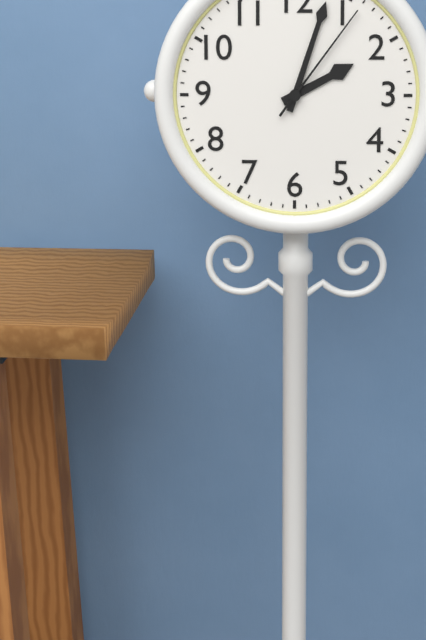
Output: {"hour": 2, "minute": 3, "second": 6}
